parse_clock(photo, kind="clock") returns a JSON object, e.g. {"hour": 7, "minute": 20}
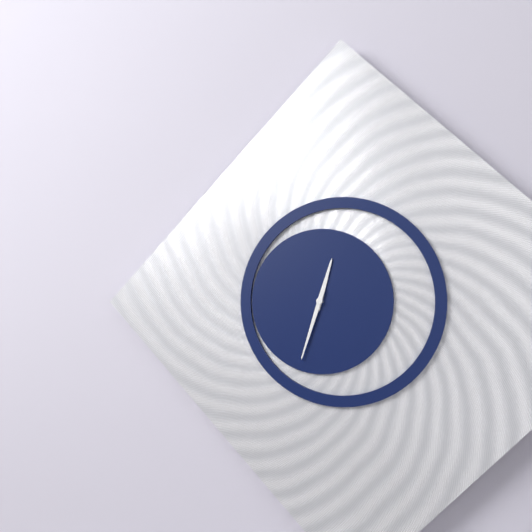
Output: {"hour": 12, "minute": 33}
